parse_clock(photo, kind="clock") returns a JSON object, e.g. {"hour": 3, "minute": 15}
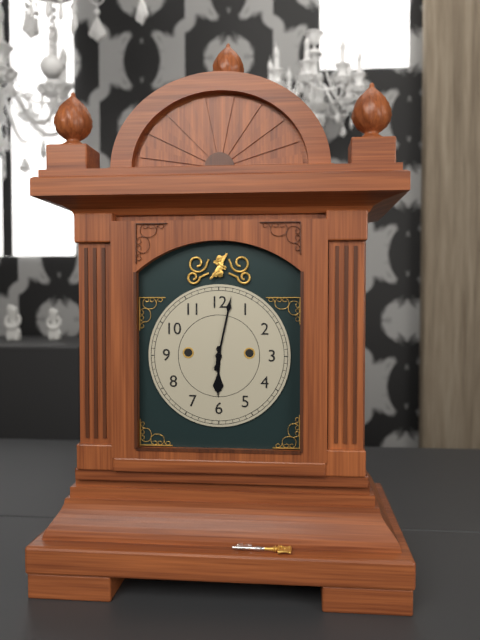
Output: {"hour": 6, "minute": 2}
